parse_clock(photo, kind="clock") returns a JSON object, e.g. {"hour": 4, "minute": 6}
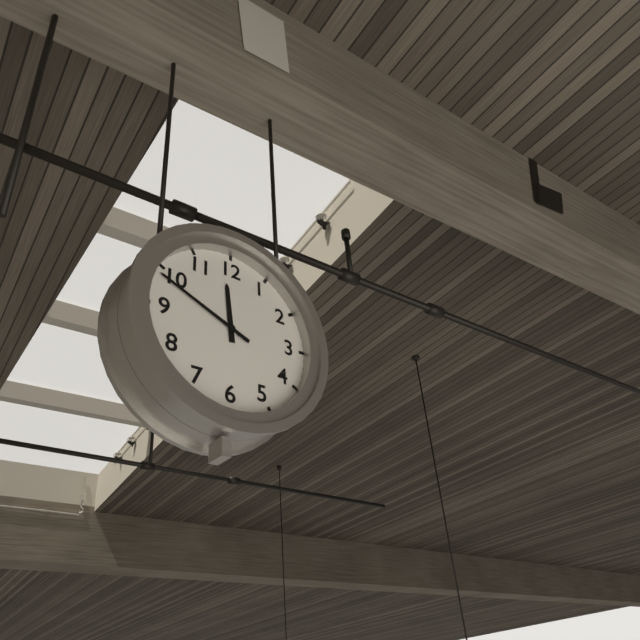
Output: {"hour": 11, "minute": 49}
